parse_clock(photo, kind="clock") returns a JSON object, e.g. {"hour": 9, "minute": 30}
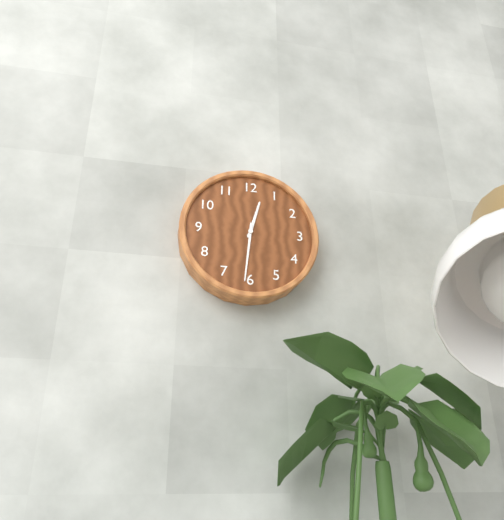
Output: {"hour": 12, "minute": 31}
